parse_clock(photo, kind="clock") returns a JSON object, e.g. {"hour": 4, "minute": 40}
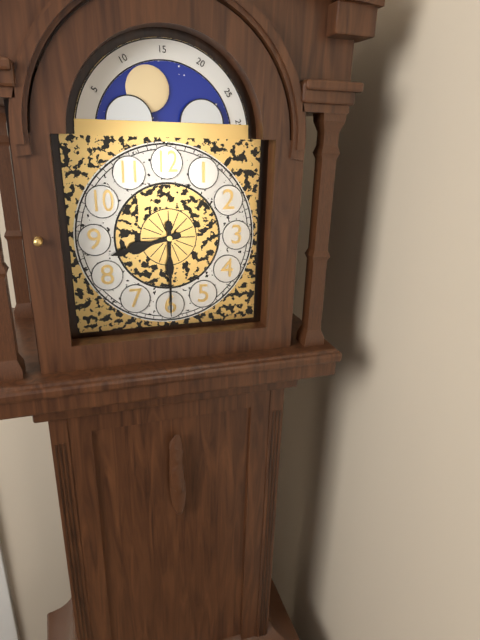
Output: {"hour": 8, "minute": 30}
